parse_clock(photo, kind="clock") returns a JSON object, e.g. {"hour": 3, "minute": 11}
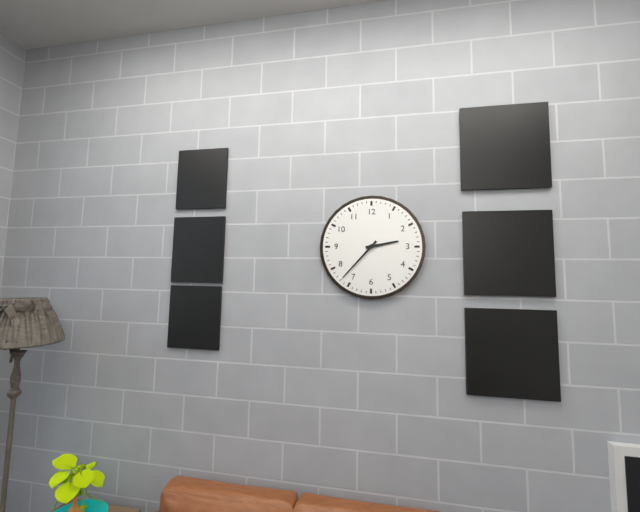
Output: {"hour": 2, "minute": 37}
